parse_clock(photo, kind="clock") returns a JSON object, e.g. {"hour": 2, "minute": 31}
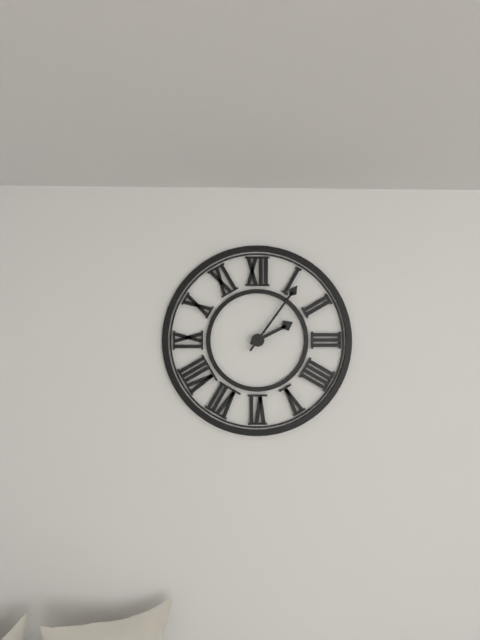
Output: {"hour": 2, "minute": 6}
